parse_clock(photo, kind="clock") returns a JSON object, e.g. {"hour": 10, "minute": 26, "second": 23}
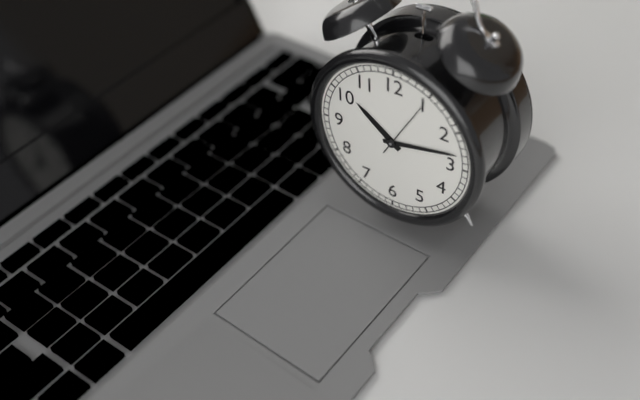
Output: {"hour": 10, "minute": 13, "second": 5}
